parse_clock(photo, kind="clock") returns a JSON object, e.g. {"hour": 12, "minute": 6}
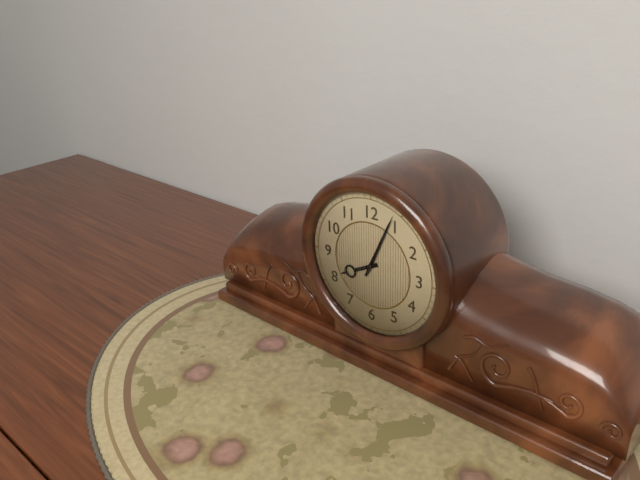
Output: {"hour": 8, "minute": 4}
